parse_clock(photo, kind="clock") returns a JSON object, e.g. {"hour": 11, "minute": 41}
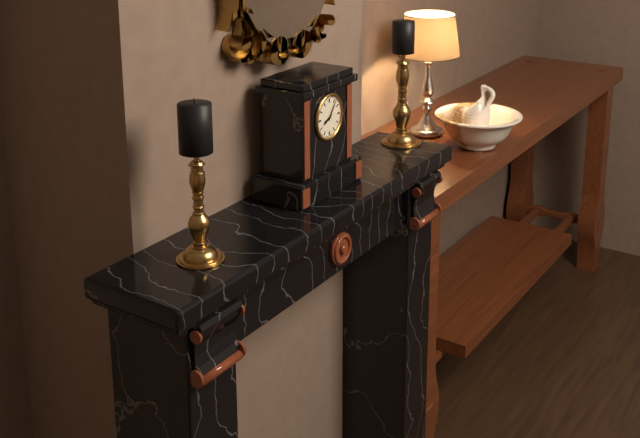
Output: {"hour": 8, "minute": 6}
